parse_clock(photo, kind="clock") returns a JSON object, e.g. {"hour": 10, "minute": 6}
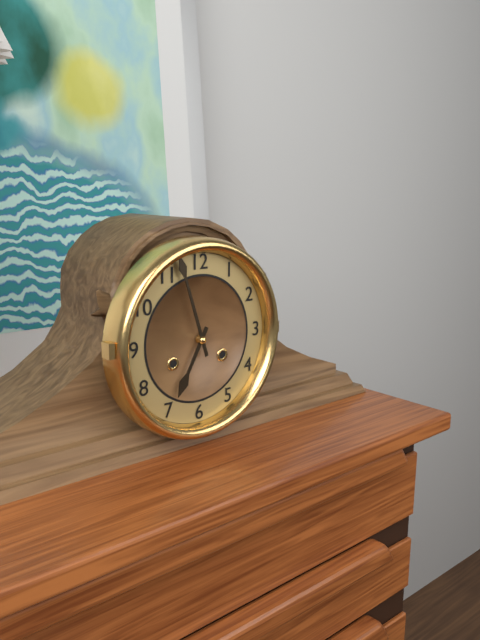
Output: {"hour": 6, "minute": 57}
